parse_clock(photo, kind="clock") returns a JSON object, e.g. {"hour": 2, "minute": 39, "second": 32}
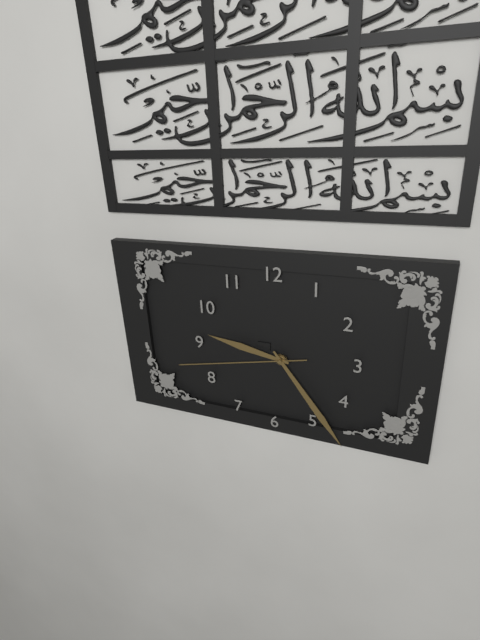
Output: {"hour": 9, "minute": 24, "second": 43}
